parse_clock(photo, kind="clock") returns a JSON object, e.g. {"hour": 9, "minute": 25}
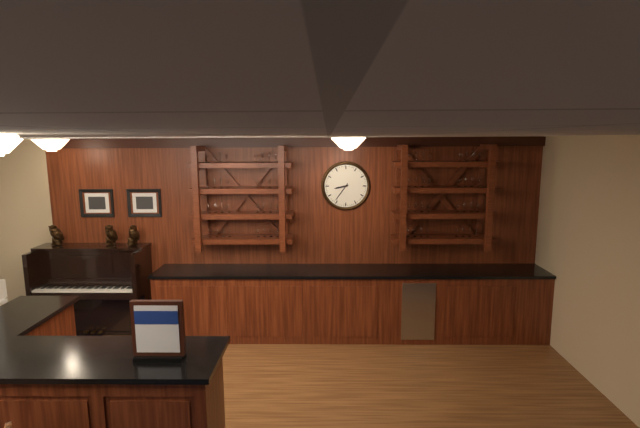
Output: {"hour": 8, "minute": 36}
